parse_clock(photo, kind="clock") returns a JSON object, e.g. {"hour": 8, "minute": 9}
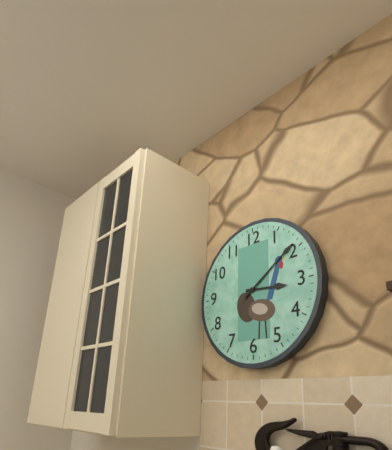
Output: {"hour": 3, "minute": 9}
